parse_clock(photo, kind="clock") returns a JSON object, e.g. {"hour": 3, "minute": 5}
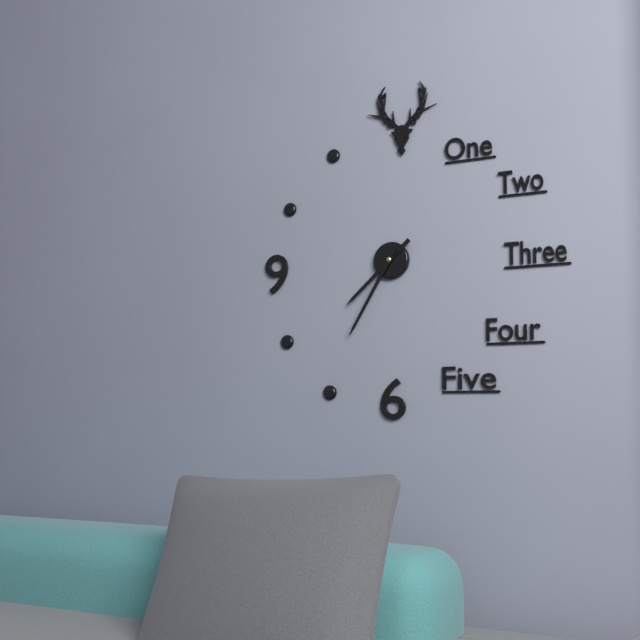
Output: {"hour": 7, "minute": 35}
